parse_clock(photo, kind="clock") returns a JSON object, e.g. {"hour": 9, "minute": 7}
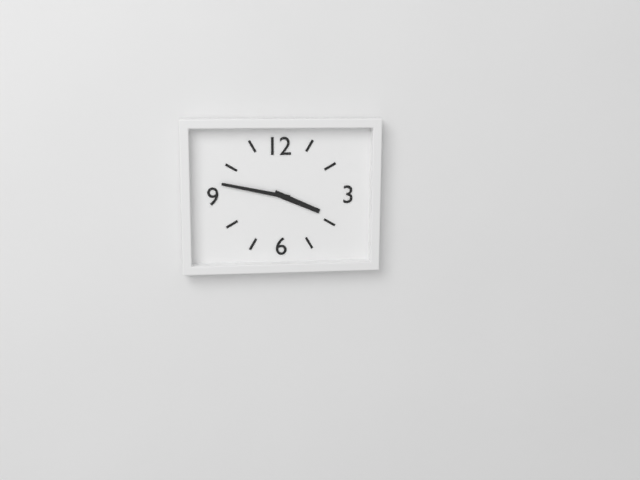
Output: {"hour": 3, "minute": 47}
